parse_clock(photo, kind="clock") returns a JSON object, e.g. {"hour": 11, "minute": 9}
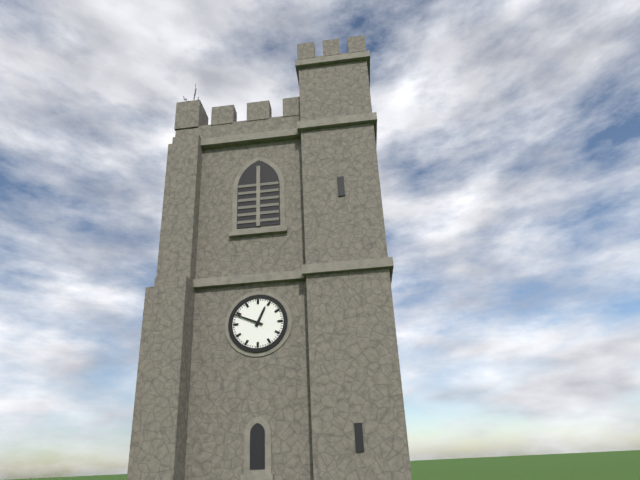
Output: {"hour": 12, "minute": 49}
